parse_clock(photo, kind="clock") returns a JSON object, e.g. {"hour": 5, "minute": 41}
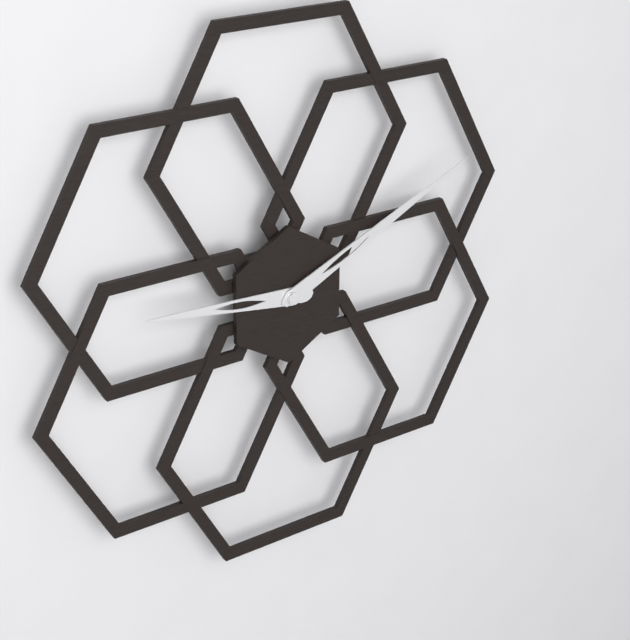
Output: {"hour": 9, "minute": 11}
